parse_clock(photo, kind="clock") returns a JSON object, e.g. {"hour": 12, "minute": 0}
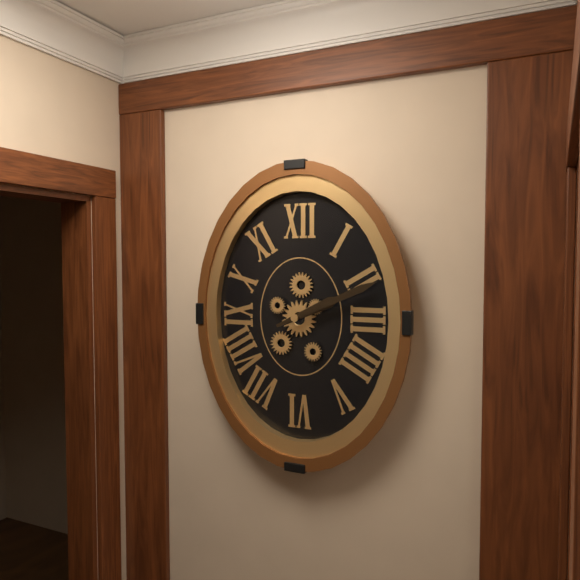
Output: {"hour": 2, "minute": 11}
